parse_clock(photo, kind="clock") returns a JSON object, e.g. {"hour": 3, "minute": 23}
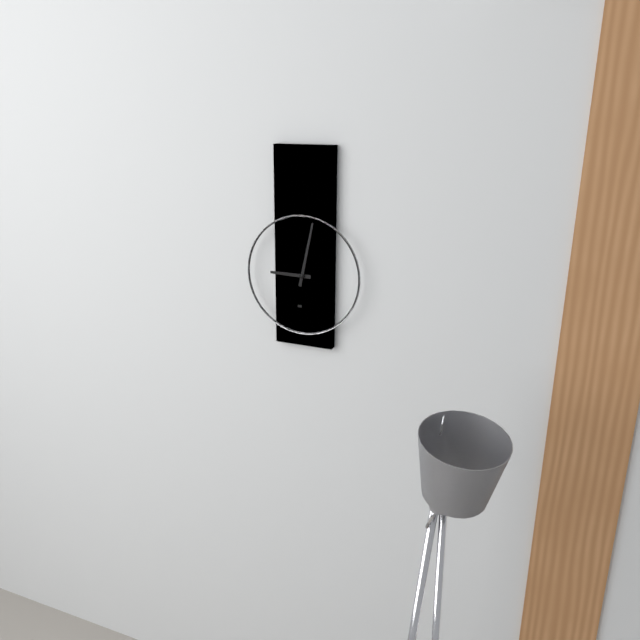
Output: {"hour": 9, "minute": 2}
